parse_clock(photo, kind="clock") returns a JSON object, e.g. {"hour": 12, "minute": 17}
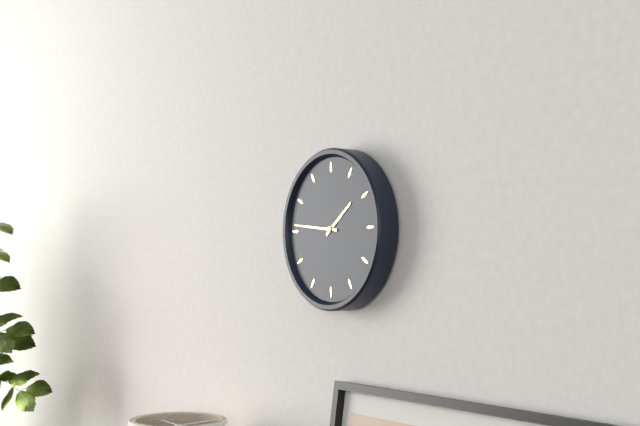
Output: {"hour": 1, "minute": 46}
